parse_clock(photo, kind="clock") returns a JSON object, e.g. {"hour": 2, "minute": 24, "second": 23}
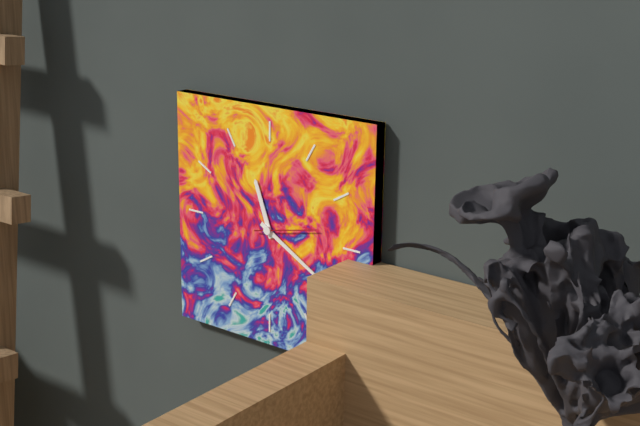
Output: {"hour": 11, "minute": 20, "second": 13}
